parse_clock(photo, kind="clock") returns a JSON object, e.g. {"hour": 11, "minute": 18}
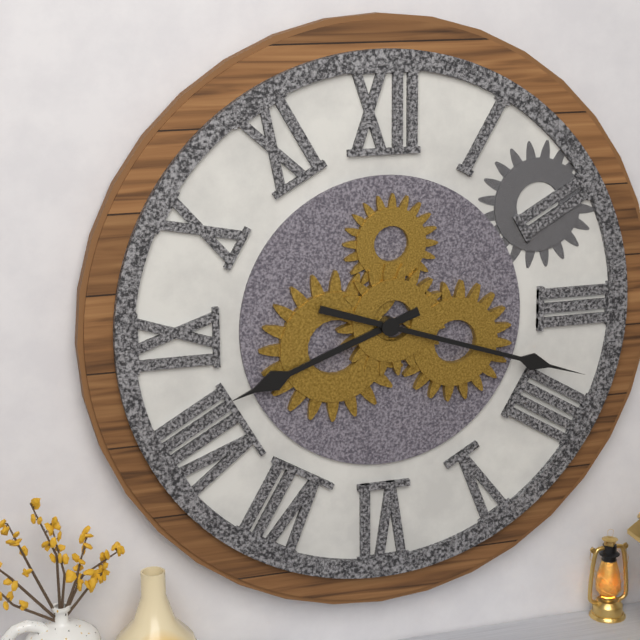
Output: {"hour": 8, "minute": 18}
